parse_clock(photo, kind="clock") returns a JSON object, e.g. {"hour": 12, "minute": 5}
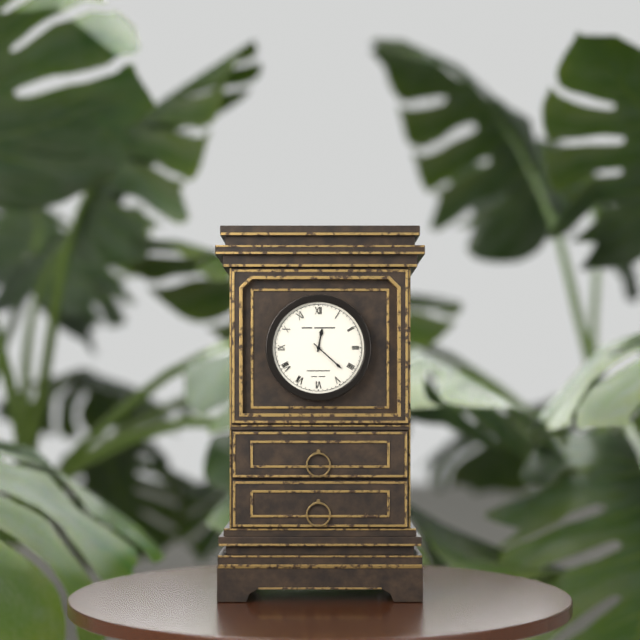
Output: {"hour": 12, "minute": 22}
